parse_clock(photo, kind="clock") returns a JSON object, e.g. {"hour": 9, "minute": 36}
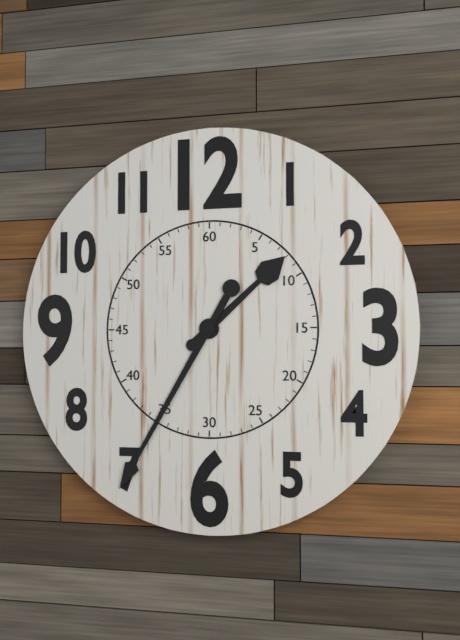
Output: {"hour": 1, "minute": 35}
